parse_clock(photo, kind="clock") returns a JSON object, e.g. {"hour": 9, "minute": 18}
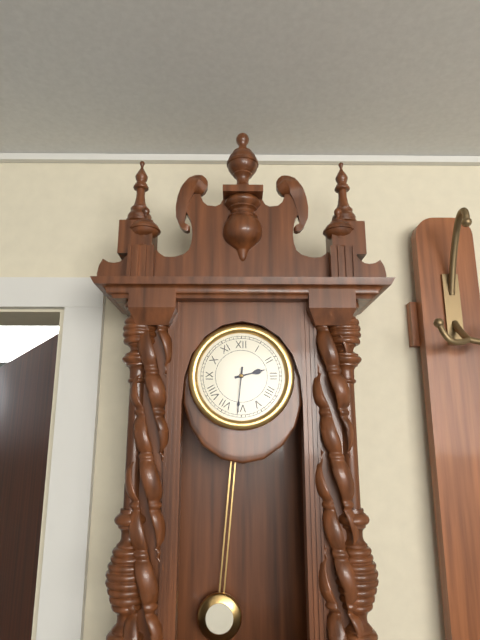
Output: {"hour": 2, "minute": 31}
